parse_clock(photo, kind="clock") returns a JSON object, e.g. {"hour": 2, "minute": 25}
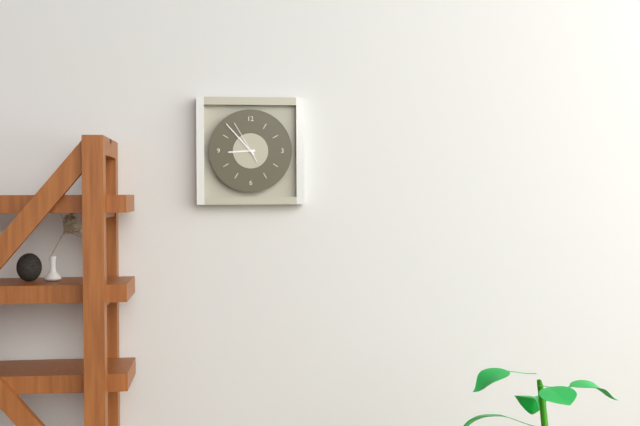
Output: {"hour": 8, "minute": 53}
